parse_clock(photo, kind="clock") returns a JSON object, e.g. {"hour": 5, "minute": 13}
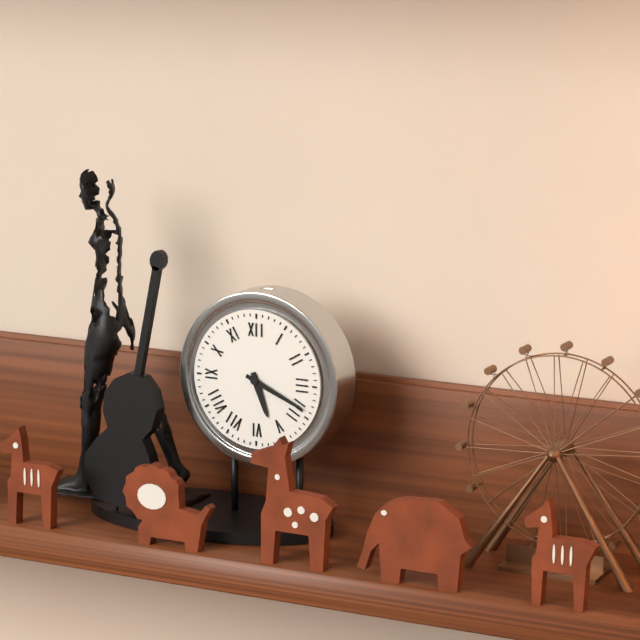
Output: {"hour": 5, "minute": 19}
